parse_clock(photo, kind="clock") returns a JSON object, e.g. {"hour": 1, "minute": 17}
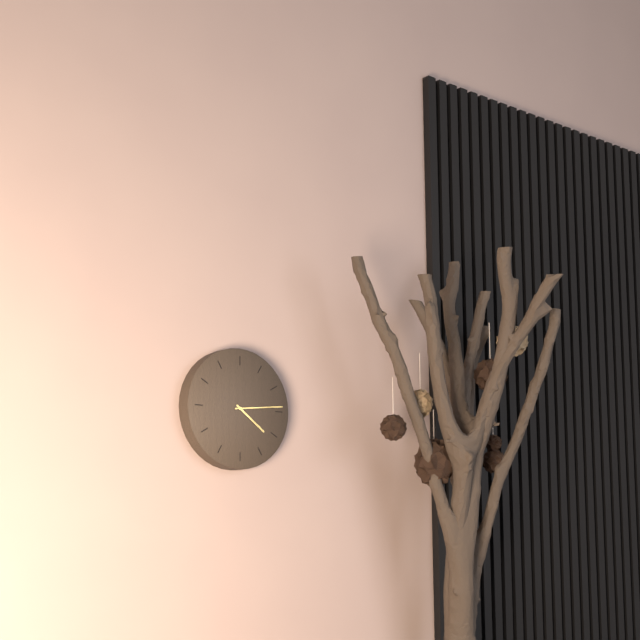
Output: {"hour": 4, "minute": 14}
